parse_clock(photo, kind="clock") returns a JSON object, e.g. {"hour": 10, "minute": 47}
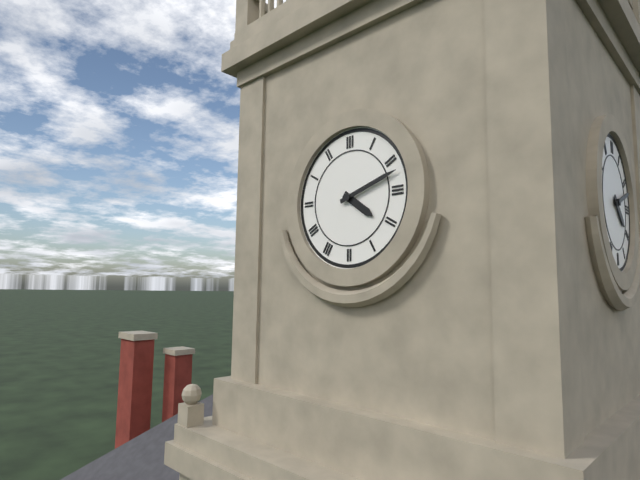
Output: {"hour": 4, "minute": 12}
